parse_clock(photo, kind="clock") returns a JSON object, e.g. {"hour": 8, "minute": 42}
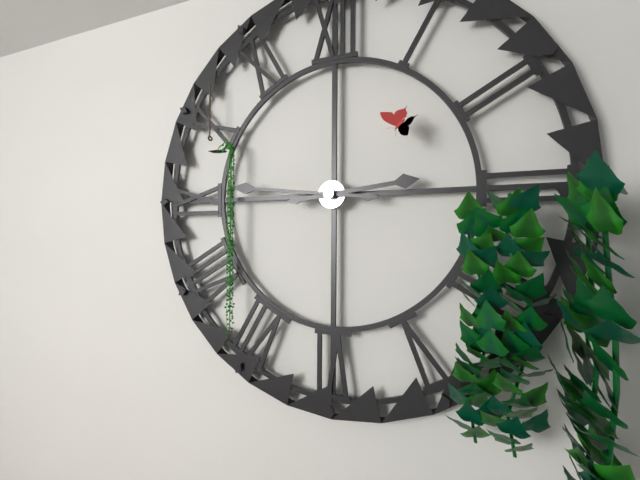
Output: {"hour": 2, "minute": 46}
